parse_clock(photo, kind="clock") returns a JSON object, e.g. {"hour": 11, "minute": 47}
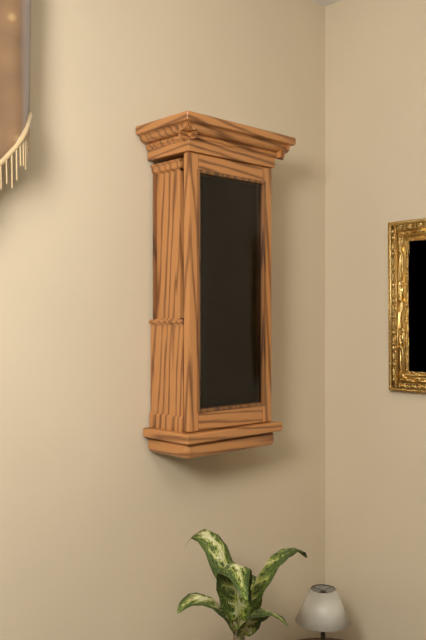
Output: {"hour": 7, "minute": 50}
